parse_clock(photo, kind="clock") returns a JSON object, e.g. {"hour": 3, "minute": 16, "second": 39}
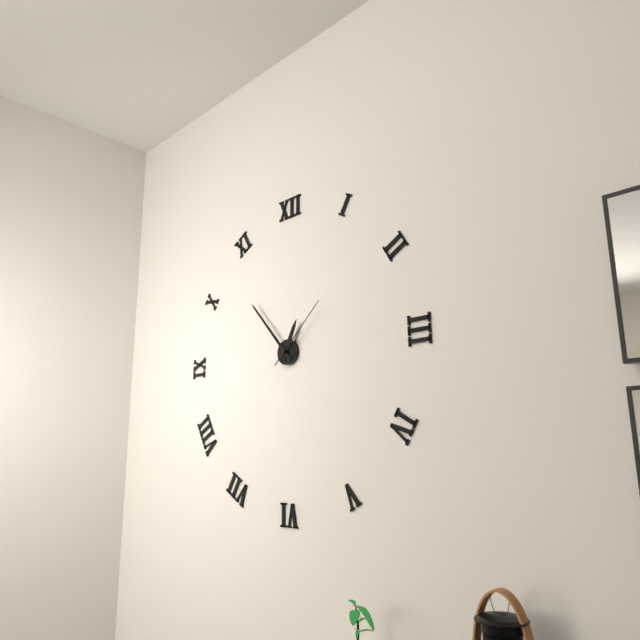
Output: {"hour": 12, "minute": 53, "second": 8}
